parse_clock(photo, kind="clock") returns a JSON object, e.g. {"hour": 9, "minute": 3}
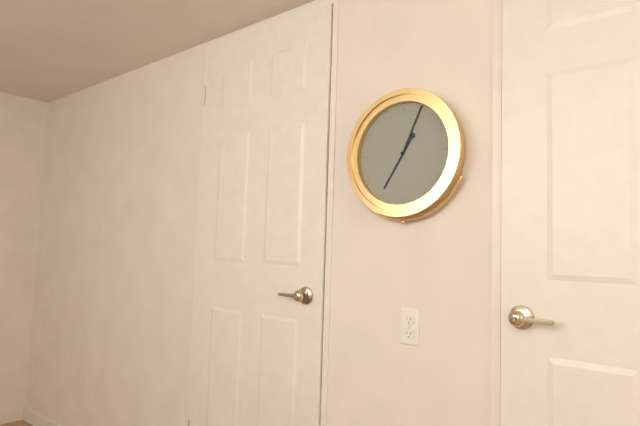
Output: {"hour": 7, "minute": 4}
